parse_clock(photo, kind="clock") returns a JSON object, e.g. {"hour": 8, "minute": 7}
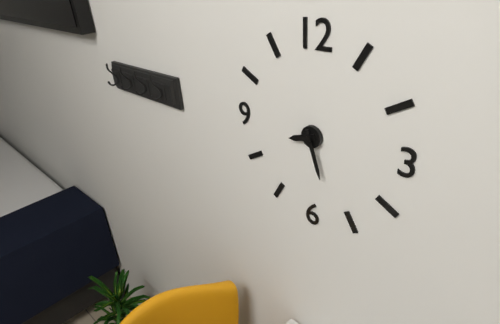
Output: {"hour": 8, "minute": 27}
